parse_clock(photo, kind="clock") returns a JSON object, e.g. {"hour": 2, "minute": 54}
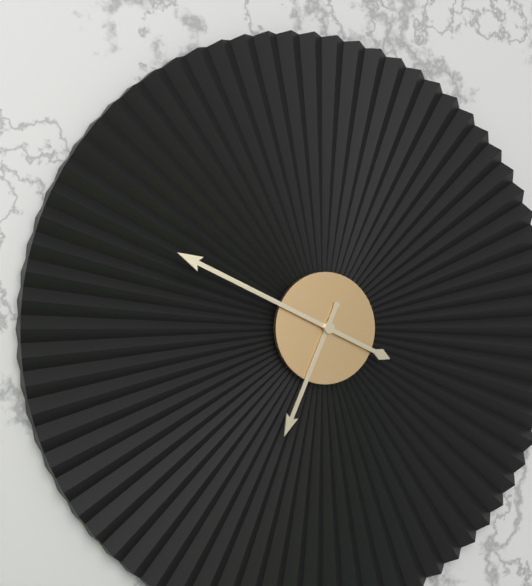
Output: {"hour": 6, "minute": 49}
